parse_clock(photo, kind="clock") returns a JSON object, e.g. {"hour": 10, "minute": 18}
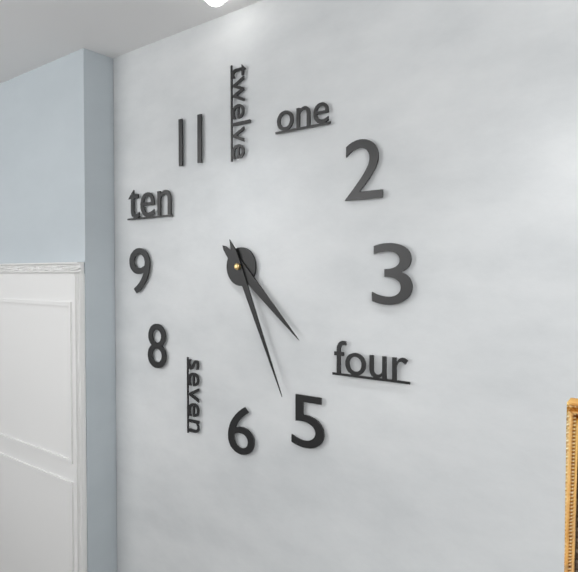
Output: {"hour": 4, "minute": 26}
